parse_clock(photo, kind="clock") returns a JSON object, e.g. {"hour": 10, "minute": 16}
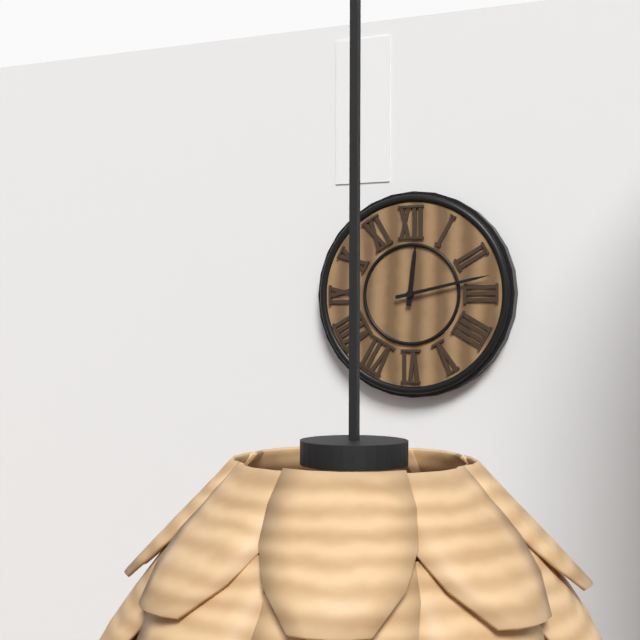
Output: {"hour": 12, "minute": 13}
